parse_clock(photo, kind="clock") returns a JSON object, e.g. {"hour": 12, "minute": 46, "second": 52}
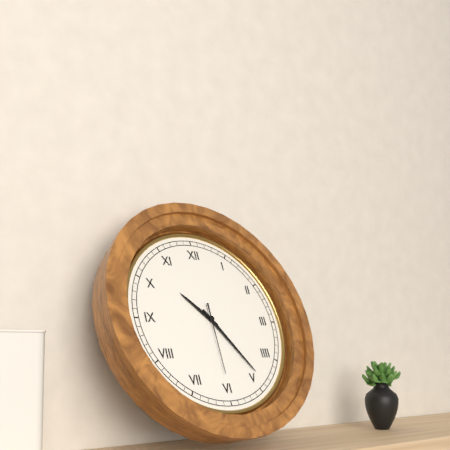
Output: {"hour": 10, "minute": 24, "second": 30}
